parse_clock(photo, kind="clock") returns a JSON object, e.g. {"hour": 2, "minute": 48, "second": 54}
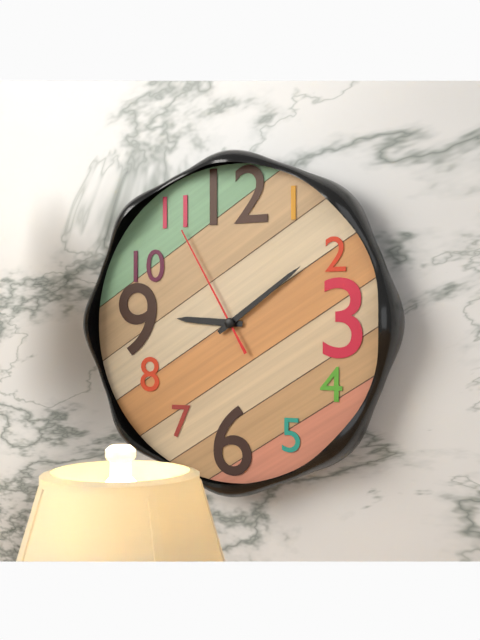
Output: {"hour": 9, "minute": 9, "second": 55}
